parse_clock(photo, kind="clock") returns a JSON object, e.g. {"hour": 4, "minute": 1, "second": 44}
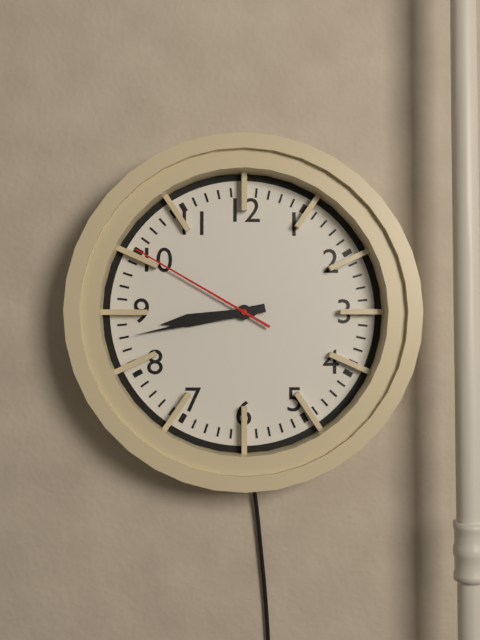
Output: {"hour": 8, "minute": 43, "second": 50}
